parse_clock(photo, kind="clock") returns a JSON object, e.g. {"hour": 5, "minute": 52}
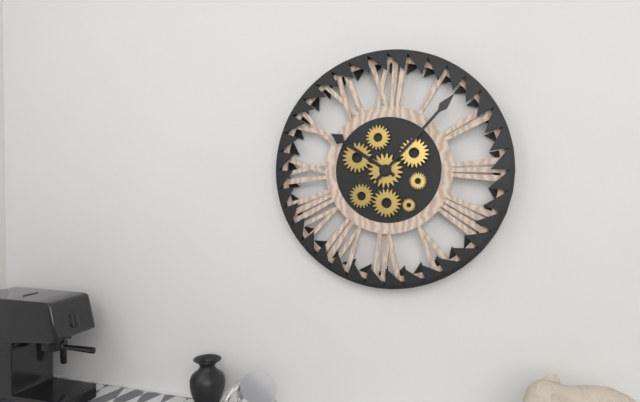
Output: {"hour": 10, "minute": 7}
